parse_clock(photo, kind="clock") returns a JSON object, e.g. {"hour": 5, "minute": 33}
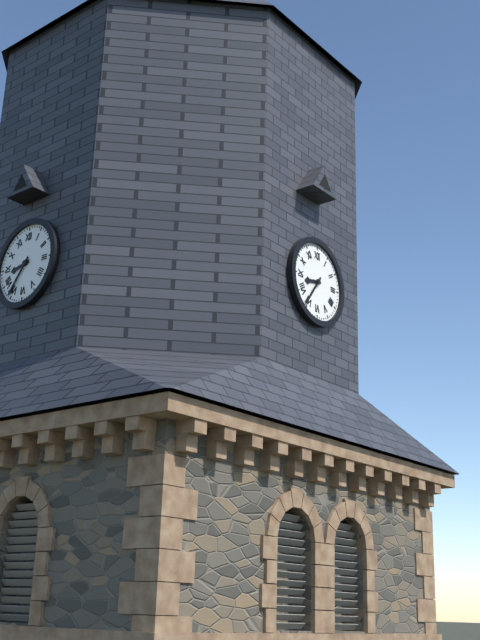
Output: {"hour": 8, "minute": 36}
